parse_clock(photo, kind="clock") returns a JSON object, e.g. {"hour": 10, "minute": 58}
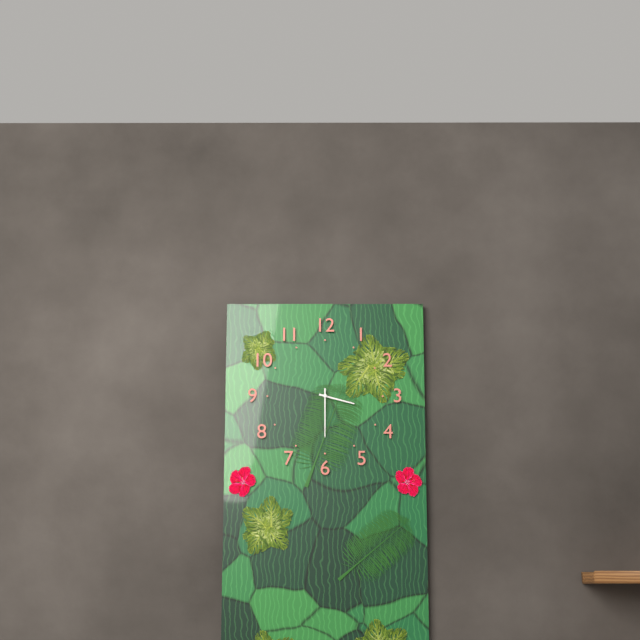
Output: {"hour": 3, "minute": 30}
